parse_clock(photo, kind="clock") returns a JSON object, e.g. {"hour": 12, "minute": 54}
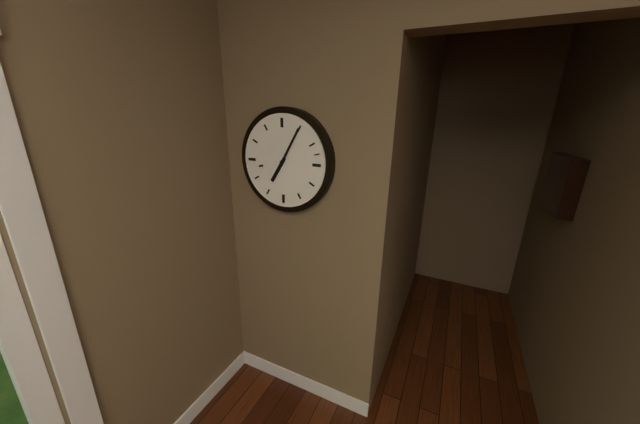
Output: {"hour": 7, "minute": 5}
